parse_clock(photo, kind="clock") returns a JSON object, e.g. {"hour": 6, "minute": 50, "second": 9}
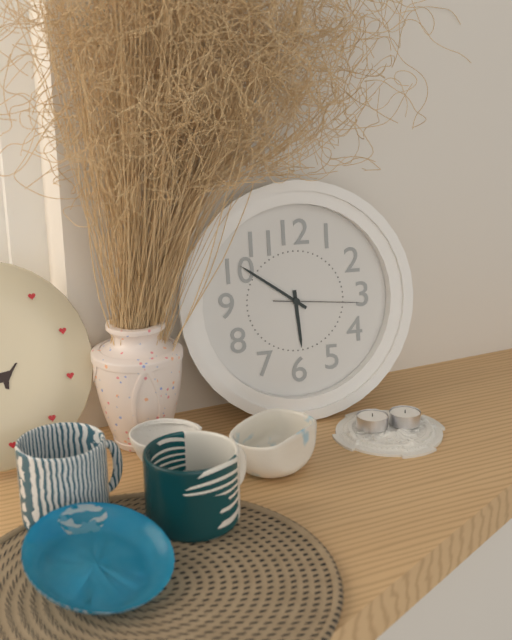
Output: {"hour": 5, "minute": 51, "second": 16}
